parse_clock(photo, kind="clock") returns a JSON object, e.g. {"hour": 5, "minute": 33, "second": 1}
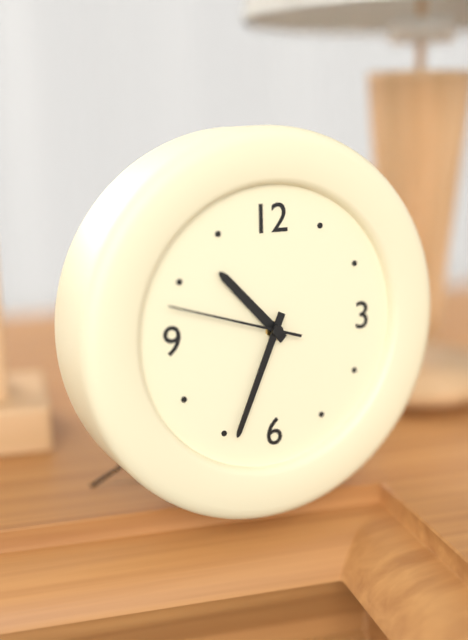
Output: {"hour": 10, "minute": 34, "second": 48}
